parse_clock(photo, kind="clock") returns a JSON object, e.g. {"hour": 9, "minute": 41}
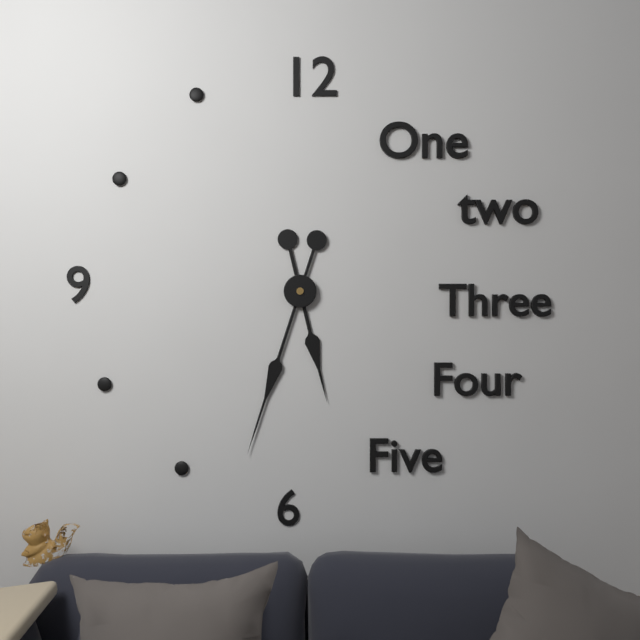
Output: {"hour": 5, "minute": 33}
